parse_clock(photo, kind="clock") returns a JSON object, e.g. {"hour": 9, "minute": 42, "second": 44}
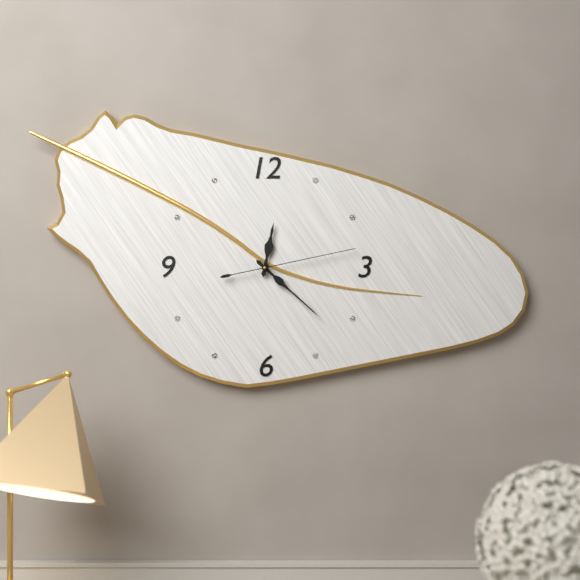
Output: {"hour": 12, "minute": 22, "second": 13}
